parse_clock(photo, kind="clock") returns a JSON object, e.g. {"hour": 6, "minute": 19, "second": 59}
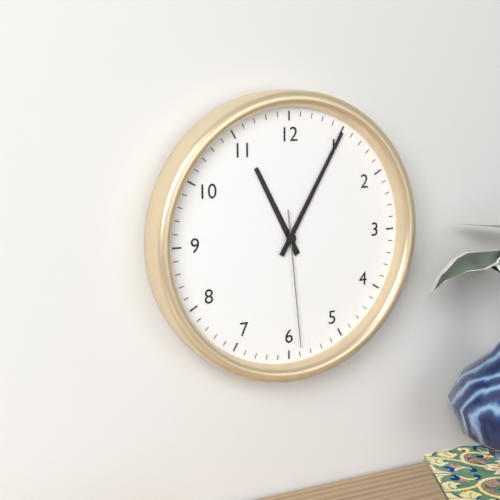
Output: {"hour": 11, "minute": 5, "second": 29}
